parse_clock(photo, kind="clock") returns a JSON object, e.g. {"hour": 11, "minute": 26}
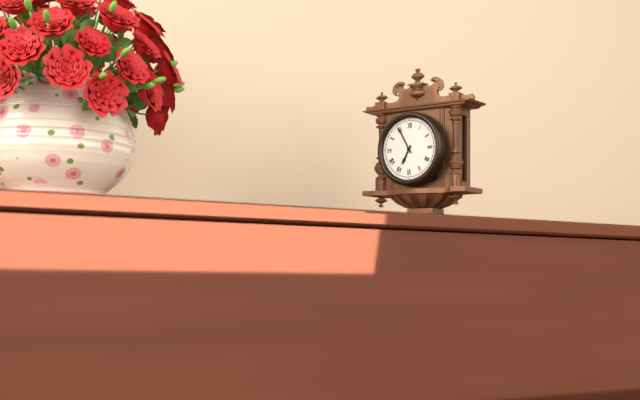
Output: {"hour": 6, "minute": 55}
